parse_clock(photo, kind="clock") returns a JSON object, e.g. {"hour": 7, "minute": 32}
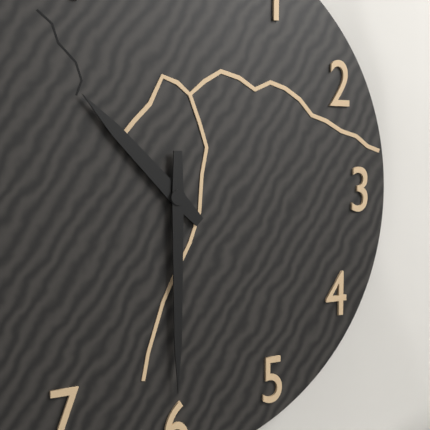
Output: {"hour": 10, "minute": 30}
